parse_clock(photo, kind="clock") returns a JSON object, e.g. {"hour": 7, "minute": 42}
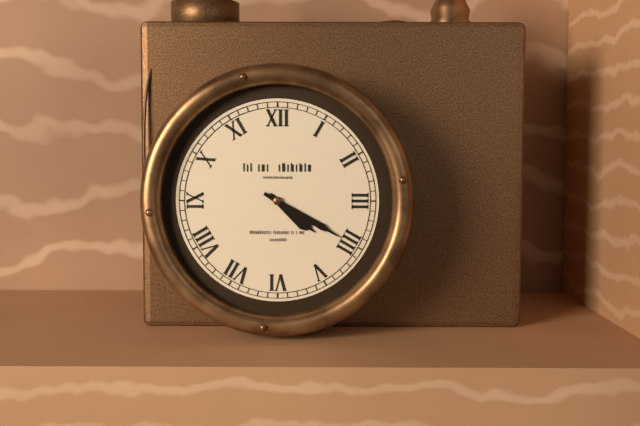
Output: {"hour": 4, "minute": 20}
